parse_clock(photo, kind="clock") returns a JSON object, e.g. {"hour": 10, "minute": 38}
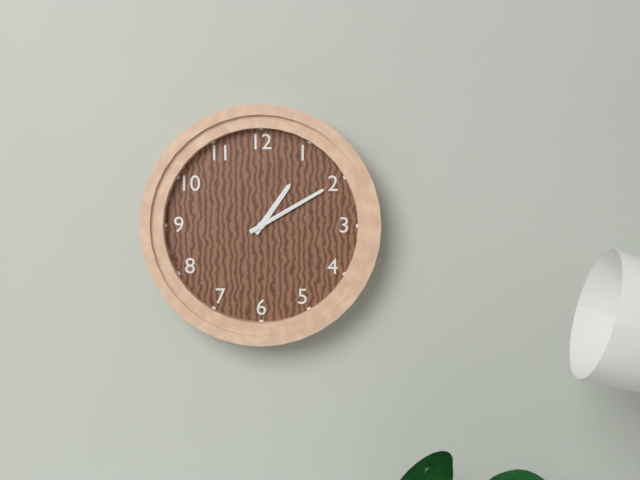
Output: {"hour": 1, "minute": 10}
